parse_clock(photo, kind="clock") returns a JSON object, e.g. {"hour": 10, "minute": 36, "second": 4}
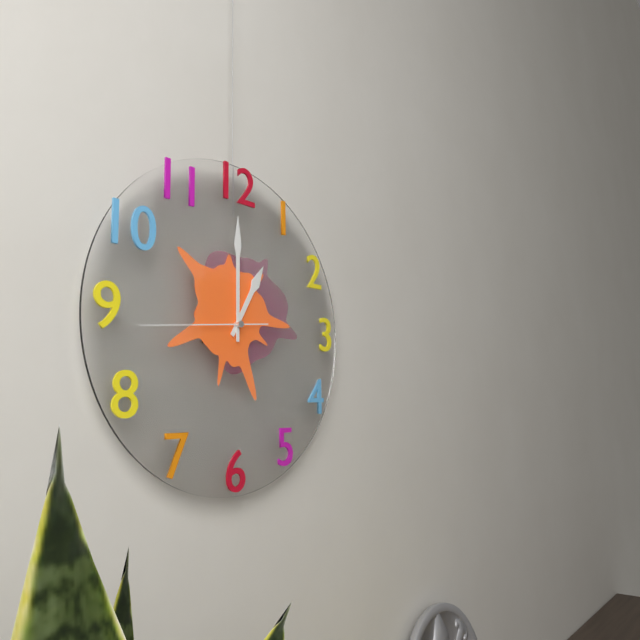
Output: {"hour": 1, "minute": 0, "second": 44}
